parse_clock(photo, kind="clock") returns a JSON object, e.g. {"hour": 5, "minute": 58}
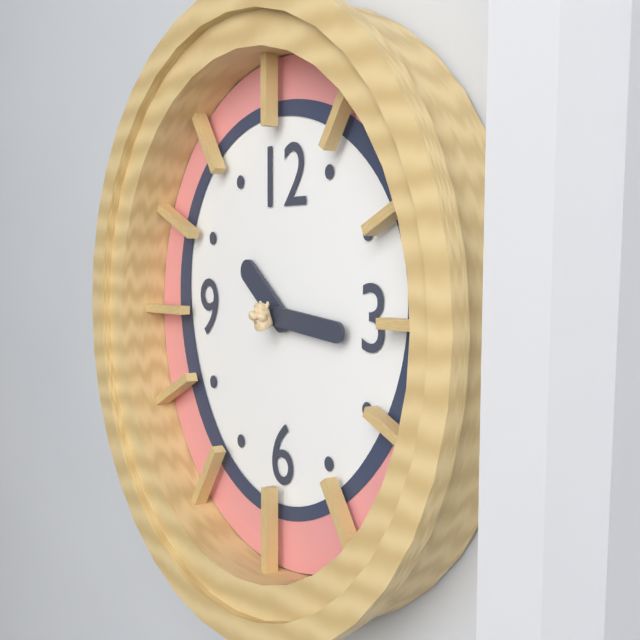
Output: {"hour": 10, "minute": 16}
